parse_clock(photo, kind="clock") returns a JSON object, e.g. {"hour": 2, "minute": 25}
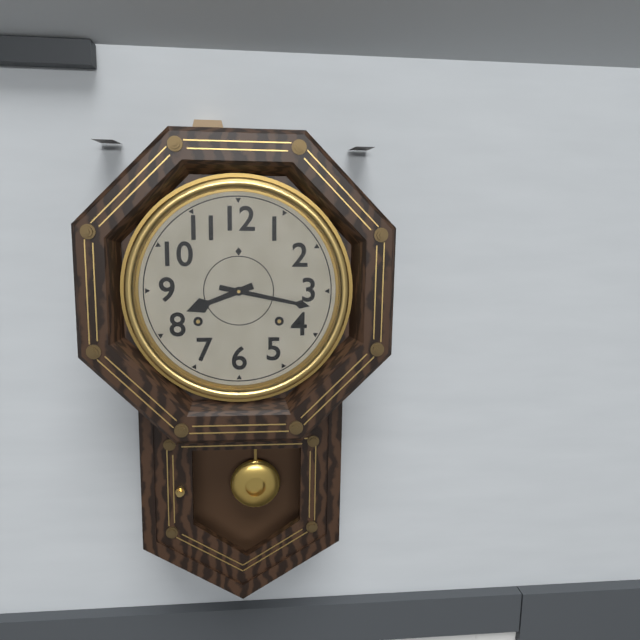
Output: {"hour": 8, "minute": 17}
